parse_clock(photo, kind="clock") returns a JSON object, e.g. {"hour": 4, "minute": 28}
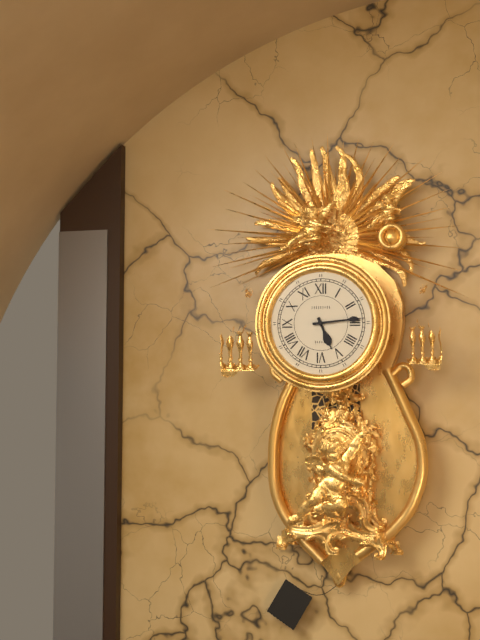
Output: {"hour": 5, "minute": 14}
